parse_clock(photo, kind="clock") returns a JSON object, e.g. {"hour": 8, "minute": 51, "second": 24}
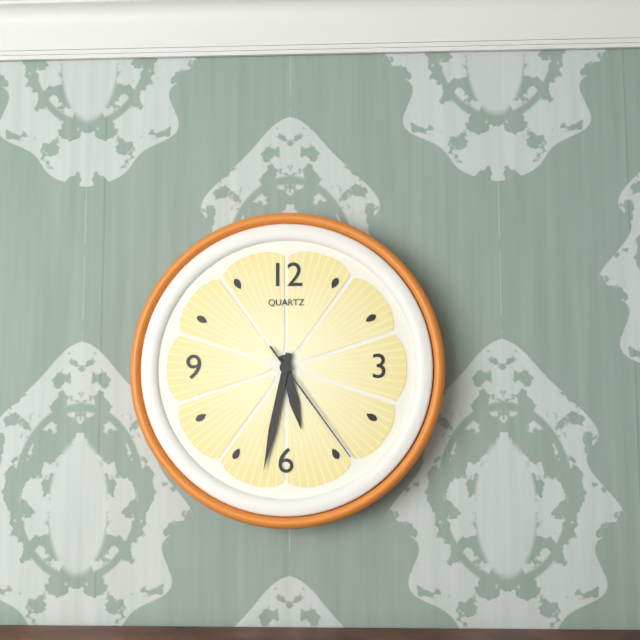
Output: {"hour": 5, "minute": 32, "second": 24}
